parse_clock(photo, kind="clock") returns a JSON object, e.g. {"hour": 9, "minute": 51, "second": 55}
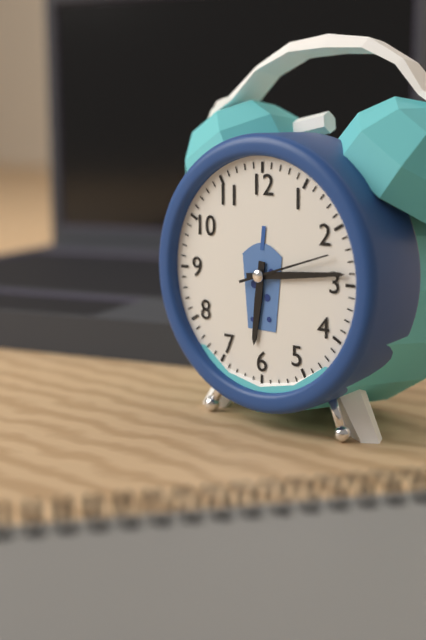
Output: {"hour": 6, "minute": 14, "second": 12}
